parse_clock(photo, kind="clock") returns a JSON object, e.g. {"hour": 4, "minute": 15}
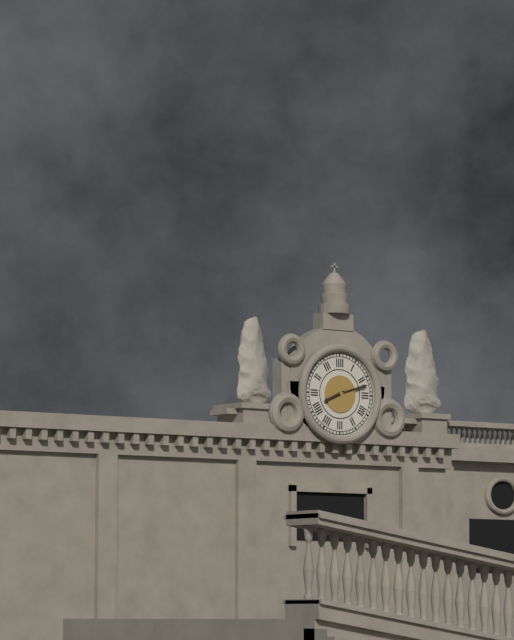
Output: {"hour": 8, "minute": 12}
